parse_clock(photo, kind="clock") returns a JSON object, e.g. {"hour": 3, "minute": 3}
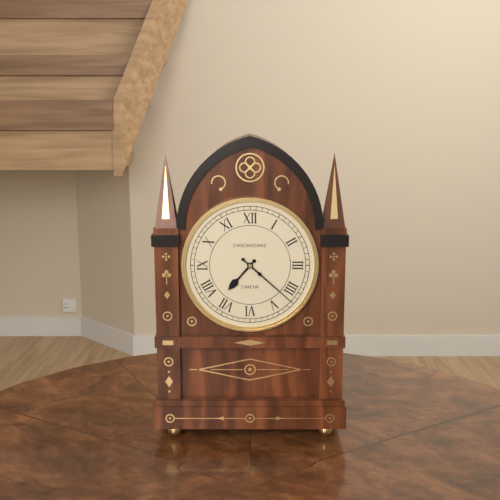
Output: {"hour": 7, "minute": 22}
